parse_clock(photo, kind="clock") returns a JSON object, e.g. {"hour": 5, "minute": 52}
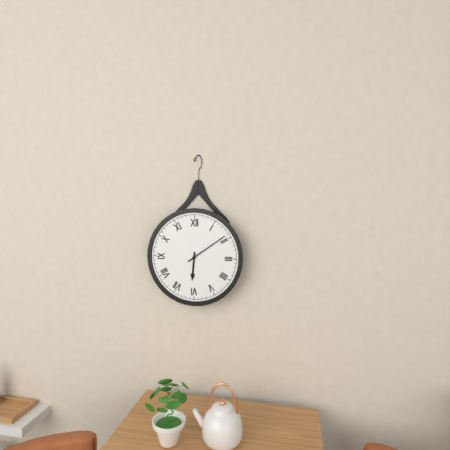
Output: {"hour": 6, "minute": 9}
